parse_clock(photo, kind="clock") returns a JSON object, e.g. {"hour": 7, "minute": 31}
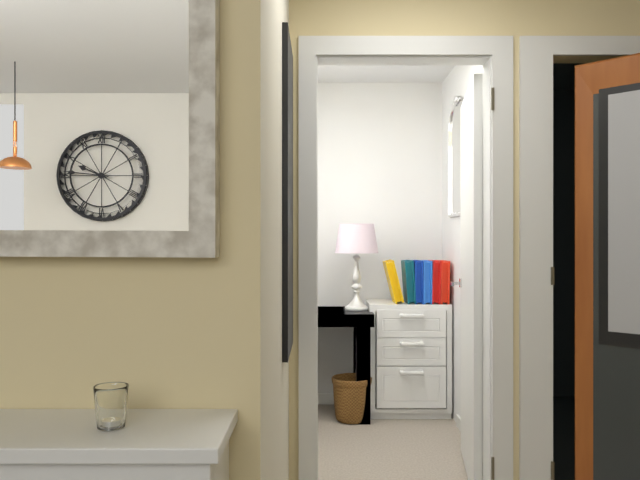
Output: {"hour": 9, "minute": 46}
